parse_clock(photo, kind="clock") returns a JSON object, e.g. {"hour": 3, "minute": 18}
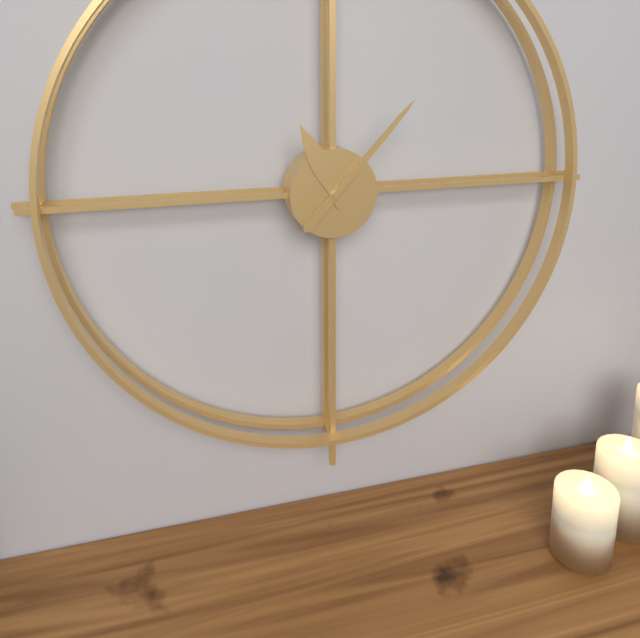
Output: {"hour": 11, "minute": 7}
